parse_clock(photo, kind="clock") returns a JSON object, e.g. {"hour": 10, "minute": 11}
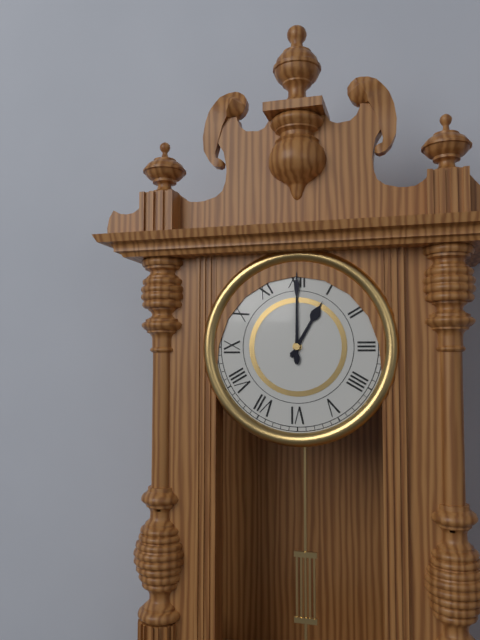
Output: {"hour": 1, "minute": 0}
